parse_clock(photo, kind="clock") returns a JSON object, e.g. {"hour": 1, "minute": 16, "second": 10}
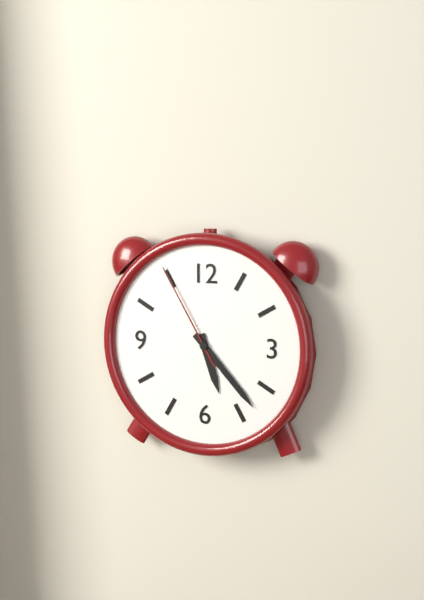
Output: {"hour": 5, "minute": 23, "second": 55}
